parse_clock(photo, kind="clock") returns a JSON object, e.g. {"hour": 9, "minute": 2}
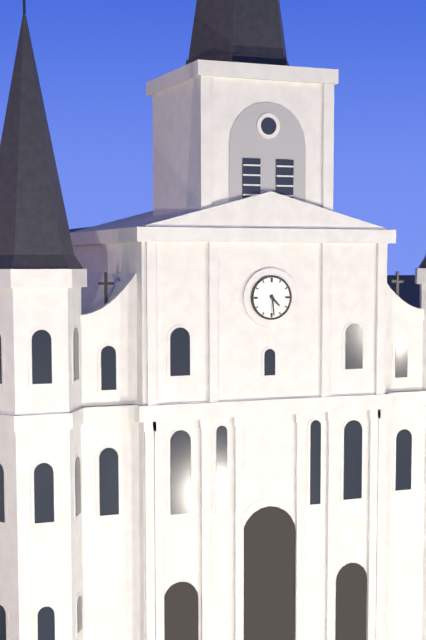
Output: {"hour": 4, "minute": 29}
